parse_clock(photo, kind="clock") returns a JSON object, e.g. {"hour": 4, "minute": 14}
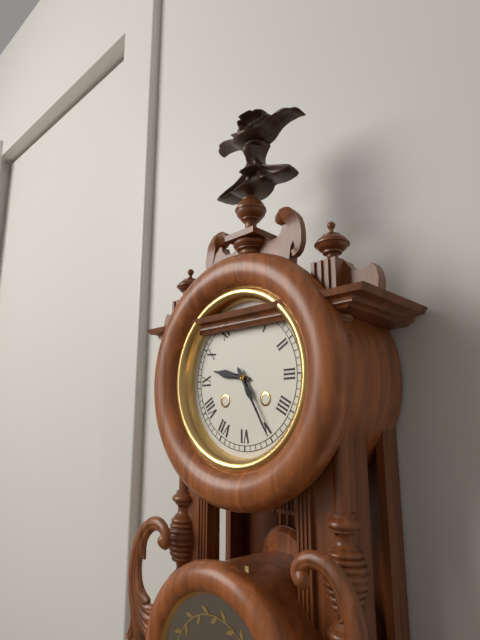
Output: {"hour": 9, "minute": 25}
